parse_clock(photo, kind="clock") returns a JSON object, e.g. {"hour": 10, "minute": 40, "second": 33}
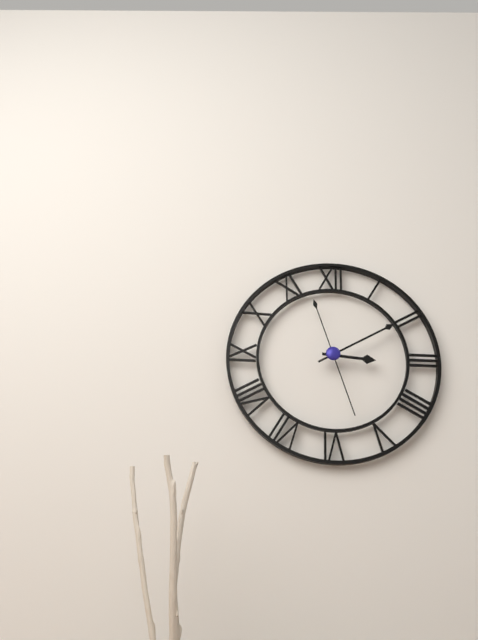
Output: {"hour": 3, "minute": 10, "second": 27}
